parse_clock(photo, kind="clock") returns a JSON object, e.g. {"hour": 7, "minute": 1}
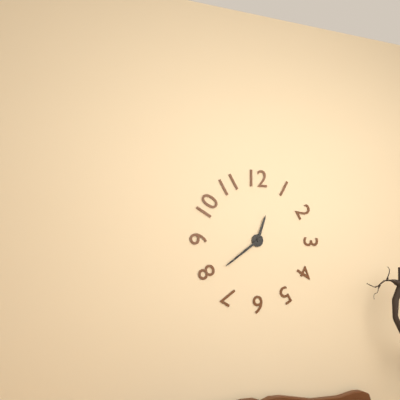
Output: {"hour": 12, "minute": 39}
